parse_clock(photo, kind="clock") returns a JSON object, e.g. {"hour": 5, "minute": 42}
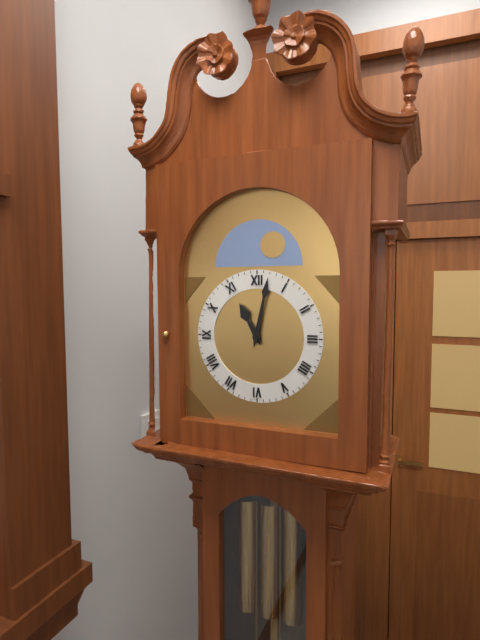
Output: {"hour": 11, "minute": 2}
